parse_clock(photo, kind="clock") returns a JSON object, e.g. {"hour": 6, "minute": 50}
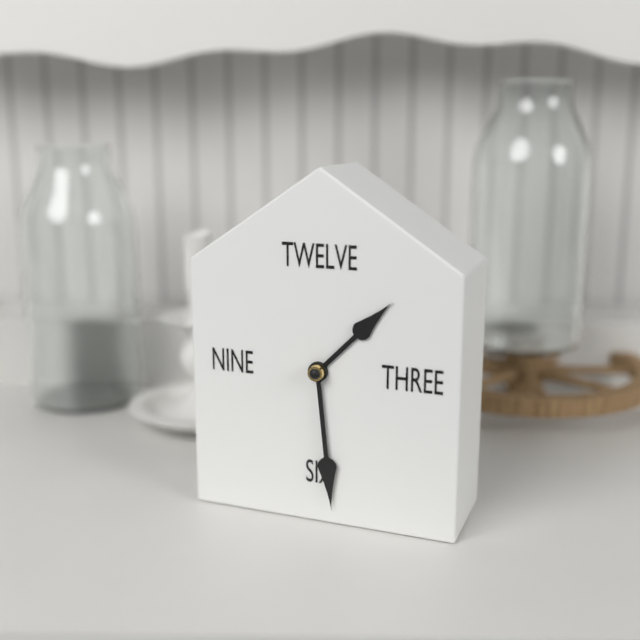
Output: {"hour": 1, "minute": 29}
